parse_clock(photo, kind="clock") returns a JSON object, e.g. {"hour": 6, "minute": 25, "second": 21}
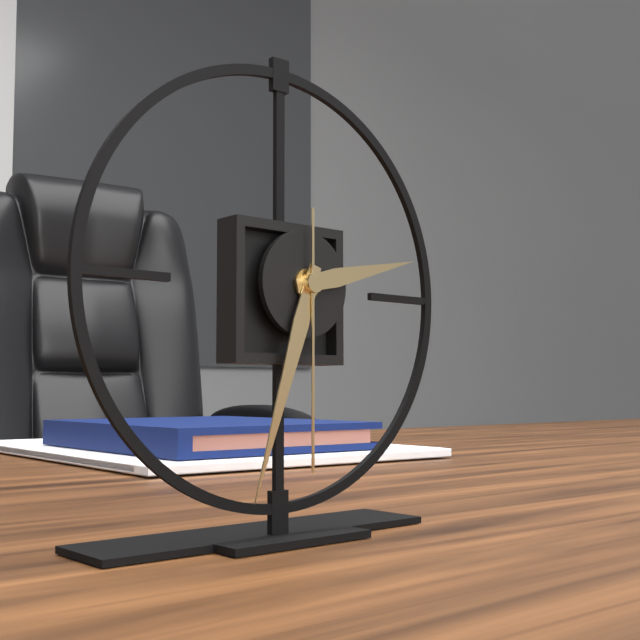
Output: {"hour": 2, "minute": 33, "second": 30}
